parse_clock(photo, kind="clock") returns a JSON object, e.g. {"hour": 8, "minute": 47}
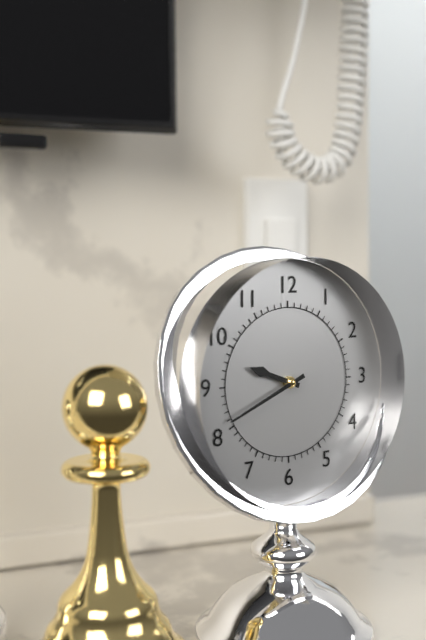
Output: {"hour": 9, "minute": 41}
